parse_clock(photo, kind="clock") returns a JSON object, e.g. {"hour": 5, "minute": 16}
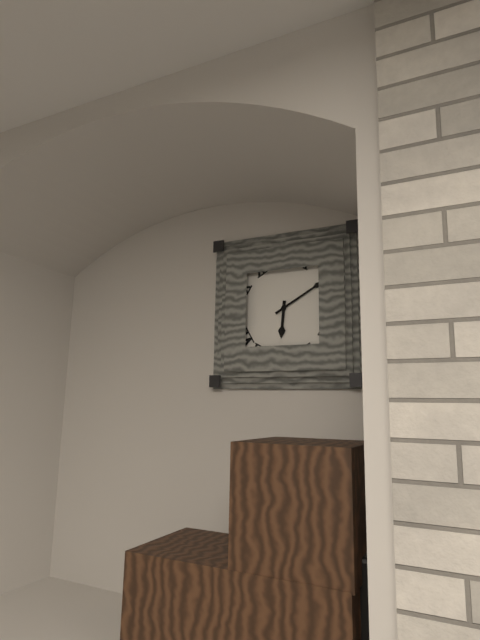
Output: {"hour": 6, "minute": 10}
